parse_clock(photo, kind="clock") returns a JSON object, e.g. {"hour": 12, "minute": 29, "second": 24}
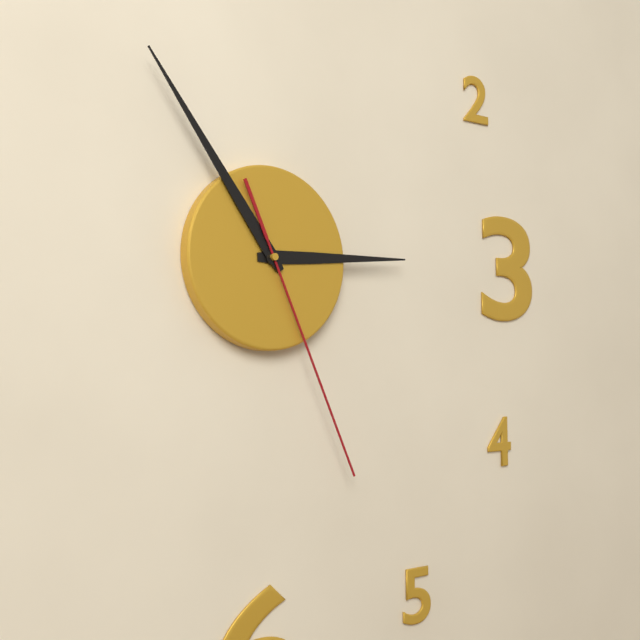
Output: {"hour": 2, "minute": 54, "second": 26}
